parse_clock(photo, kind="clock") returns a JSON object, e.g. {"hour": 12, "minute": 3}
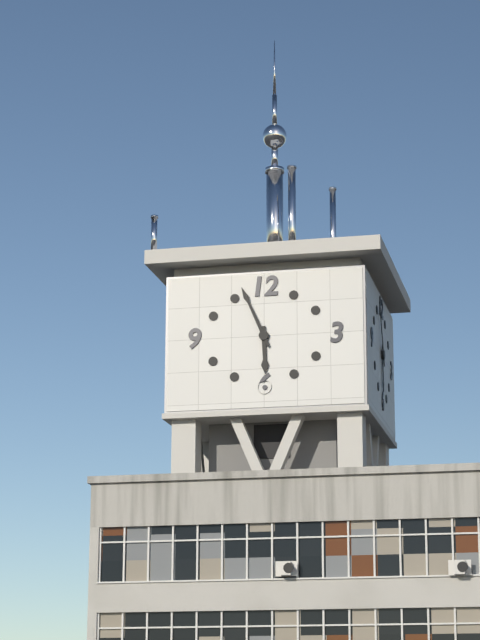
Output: {"hour": 5, "minute": 56}
